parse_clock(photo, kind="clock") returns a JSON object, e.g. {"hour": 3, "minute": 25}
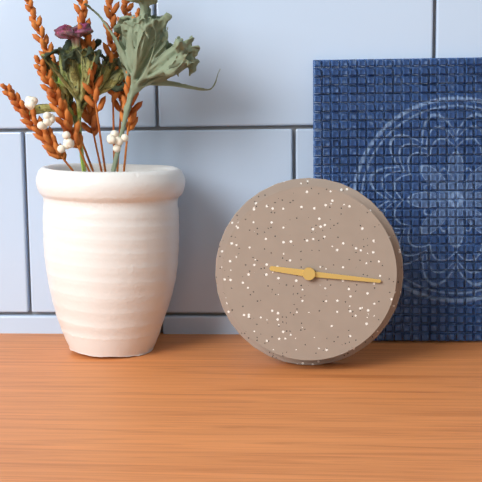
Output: {"hour": 9, "minute": 16}
